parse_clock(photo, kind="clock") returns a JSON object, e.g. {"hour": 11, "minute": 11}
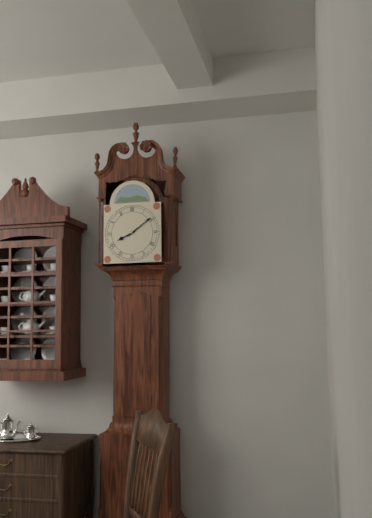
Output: {"hour": 8, "minute": 9}
